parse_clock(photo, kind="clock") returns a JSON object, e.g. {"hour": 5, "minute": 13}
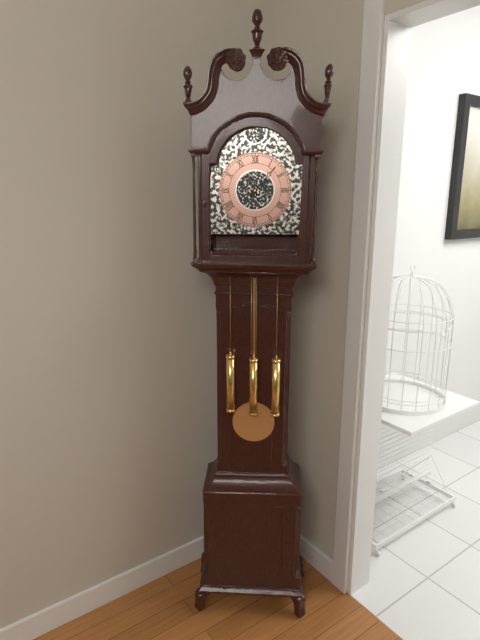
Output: {"hour": 11, "minute": 7}
